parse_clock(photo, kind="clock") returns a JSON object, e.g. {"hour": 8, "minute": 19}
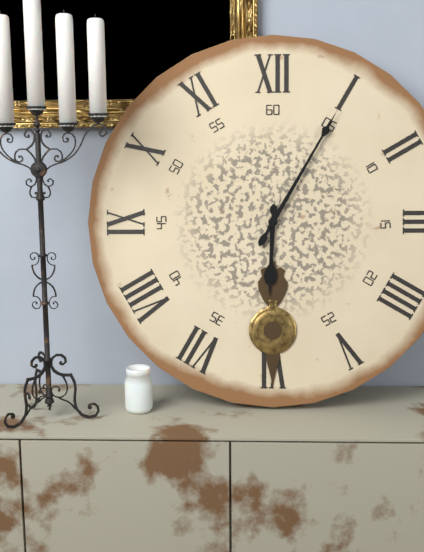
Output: {"hour": 6, "minute": 5}
